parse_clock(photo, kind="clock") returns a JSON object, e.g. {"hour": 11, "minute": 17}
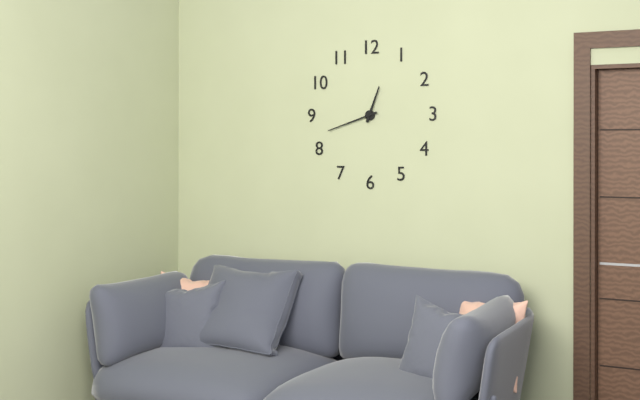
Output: {"hour": 12, "minute": 42}
